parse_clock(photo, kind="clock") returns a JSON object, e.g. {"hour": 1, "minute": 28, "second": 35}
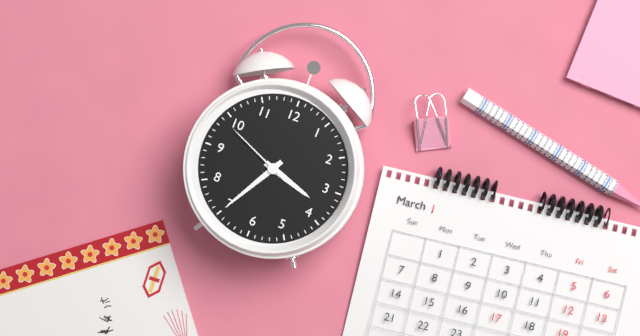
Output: {"hour": 3, "minute": 35, "second": 49}
